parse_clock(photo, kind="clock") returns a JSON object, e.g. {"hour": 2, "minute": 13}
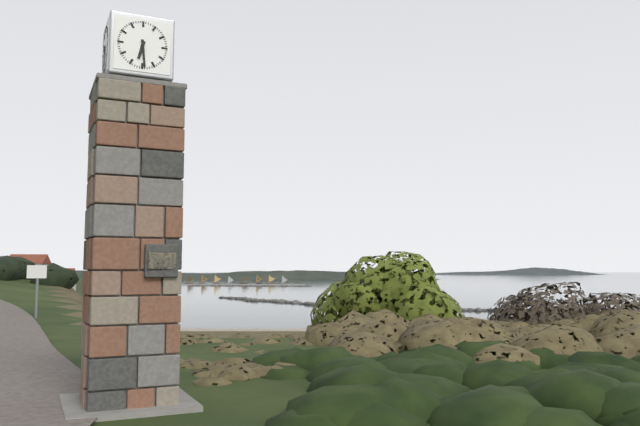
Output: {"hour": 6, "minute": 29}
